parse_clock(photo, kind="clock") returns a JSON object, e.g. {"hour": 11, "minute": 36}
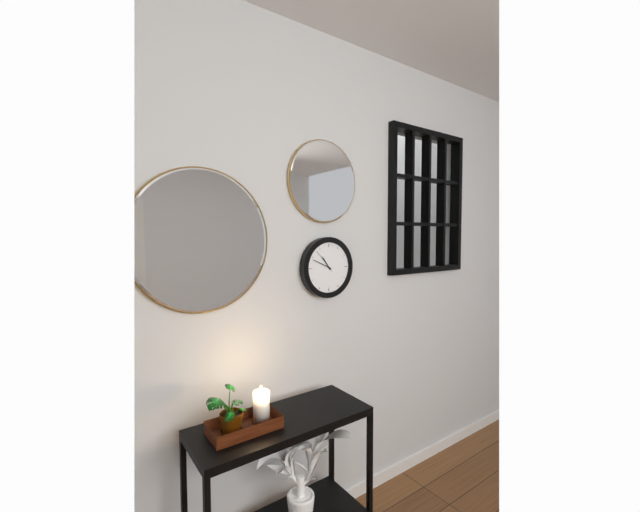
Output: {"hour": 10, "minute": 49}
